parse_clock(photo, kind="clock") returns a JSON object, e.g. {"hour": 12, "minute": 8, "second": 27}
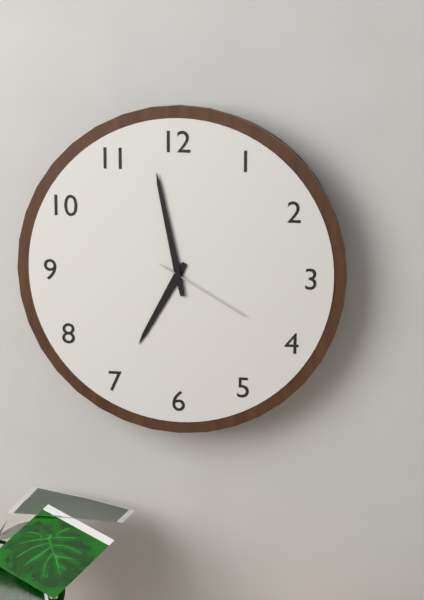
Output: {"hour": 6, "minute": 58, "second": 20}
